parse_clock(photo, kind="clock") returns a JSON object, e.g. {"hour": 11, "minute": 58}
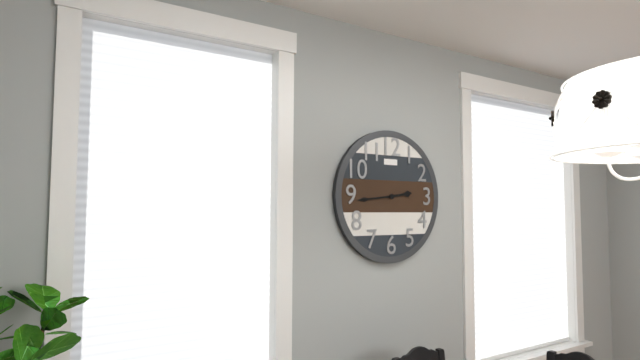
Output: {"hour": 2, "minute": 44}
